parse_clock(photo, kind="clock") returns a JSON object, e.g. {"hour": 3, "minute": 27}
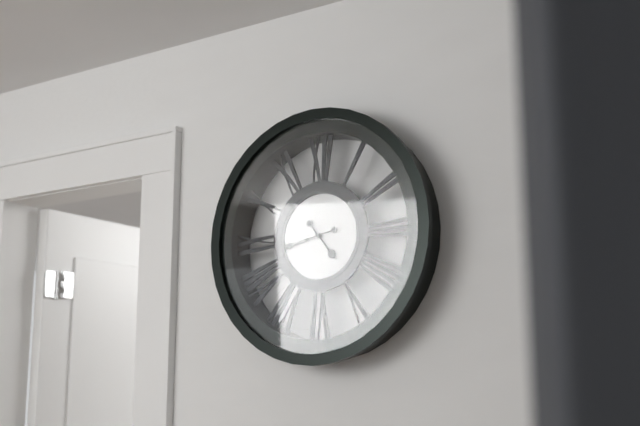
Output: {"hour": 4, "minute": 43}
